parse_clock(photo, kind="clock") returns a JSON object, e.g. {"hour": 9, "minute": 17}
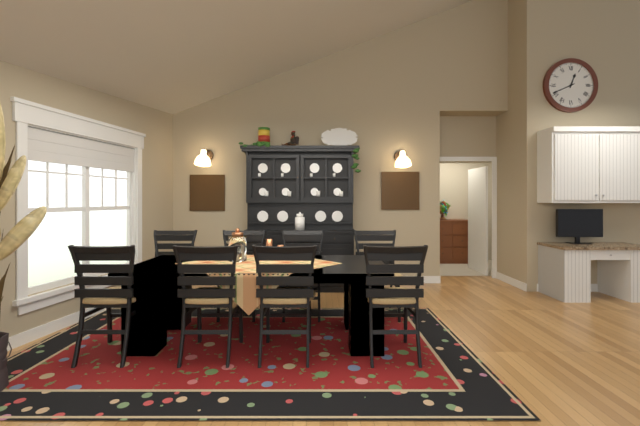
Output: {"hour": 12, "minute": 41}
